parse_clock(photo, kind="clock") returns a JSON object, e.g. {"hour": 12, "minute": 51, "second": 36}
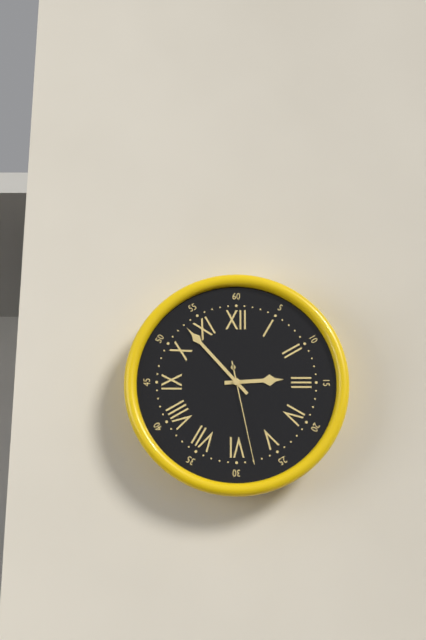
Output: {"hour": 2, "minute": 53, "second": 28}
